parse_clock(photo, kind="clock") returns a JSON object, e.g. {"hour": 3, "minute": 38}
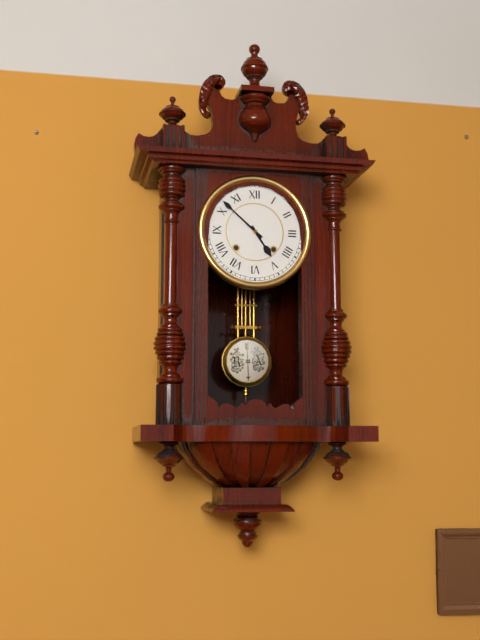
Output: {"hour": 4, "minute": 52}
